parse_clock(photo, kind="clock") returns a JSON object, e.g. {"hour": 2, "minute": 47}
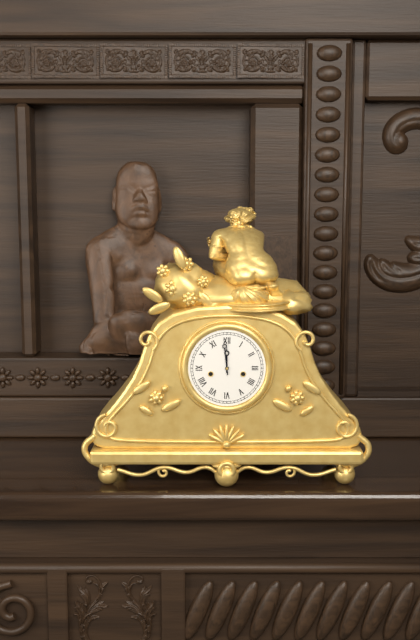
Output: {"hour": 11, "minute": 59}
